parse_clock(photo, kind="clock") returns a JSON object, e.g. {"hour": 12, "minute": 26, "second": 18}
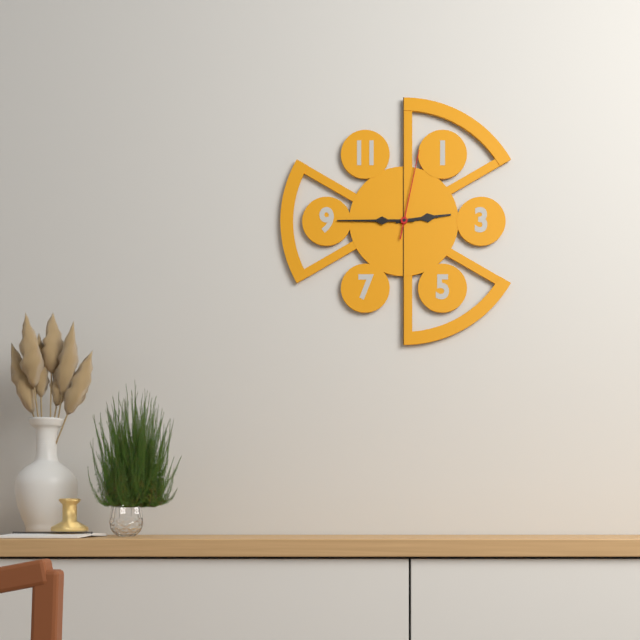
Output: {"hour": 2, "minute": 45, "second": 2}
